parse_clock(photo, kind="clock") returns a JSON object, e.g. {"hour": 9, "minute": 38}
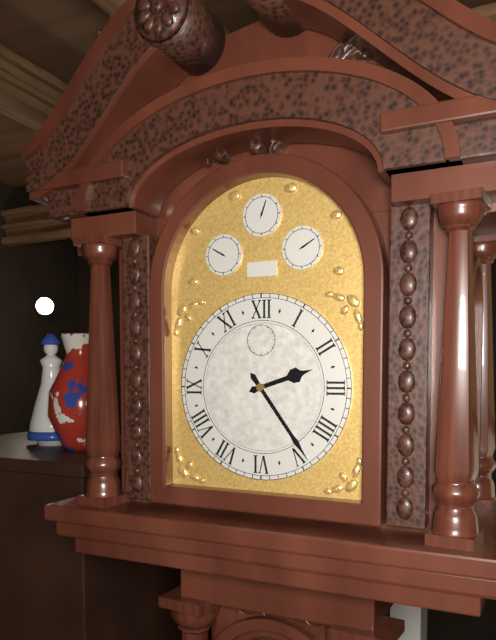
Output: {"hour": 2, "minute": 24}
